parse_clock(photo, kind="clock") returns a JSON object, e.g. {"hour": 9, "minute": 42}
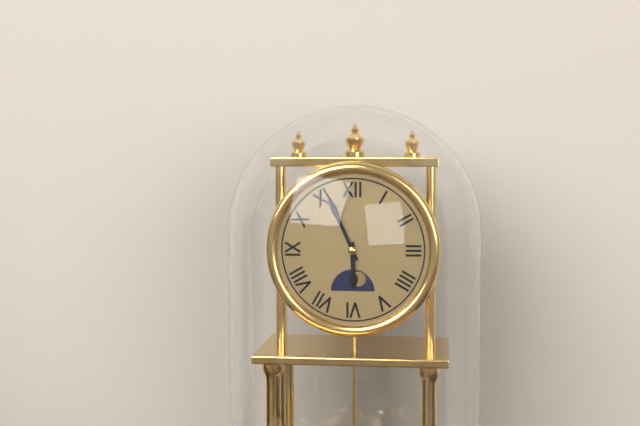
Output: {"hour": 5, "minute": 56}
